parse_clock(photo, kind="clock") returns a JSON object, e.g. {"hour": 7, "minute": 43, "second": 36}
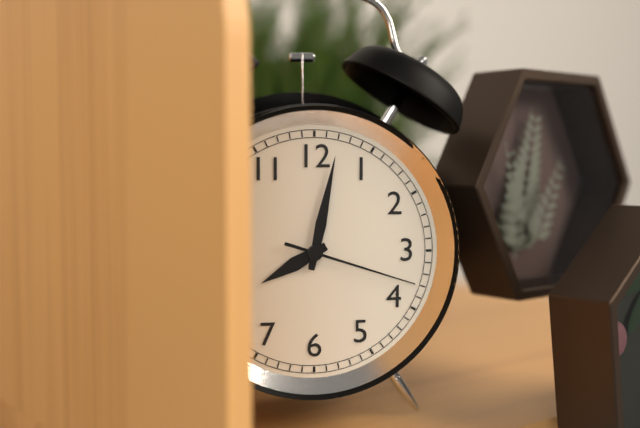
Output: {"hour": 8, "minute": 2, "second": 18}
